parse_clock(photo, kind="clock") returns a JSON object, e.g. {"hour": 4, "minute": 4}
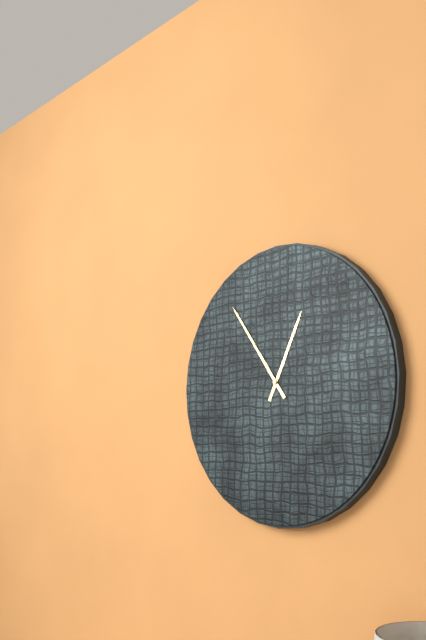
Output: {"hour": 12, "minute": 54}
